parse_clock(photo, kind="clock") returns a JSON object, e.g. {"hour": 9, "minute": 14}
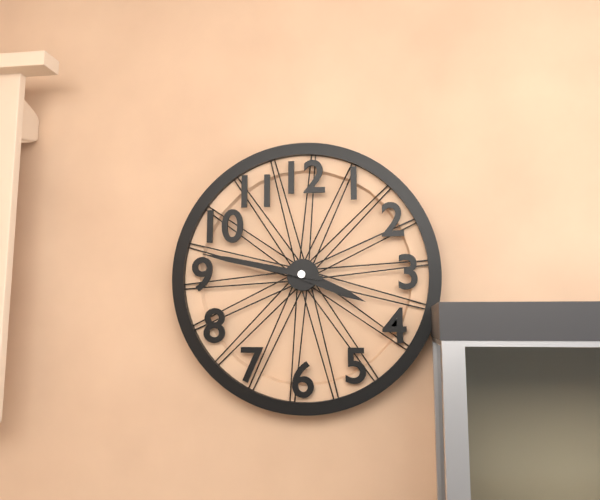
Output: {"hour": 3, "minute": 47}
